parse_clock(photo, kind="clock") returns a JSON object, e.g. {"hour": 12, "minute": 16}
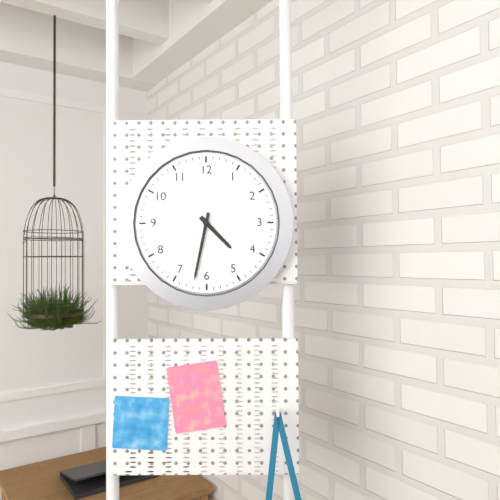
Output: {"hour": 4, "minute": 32}
